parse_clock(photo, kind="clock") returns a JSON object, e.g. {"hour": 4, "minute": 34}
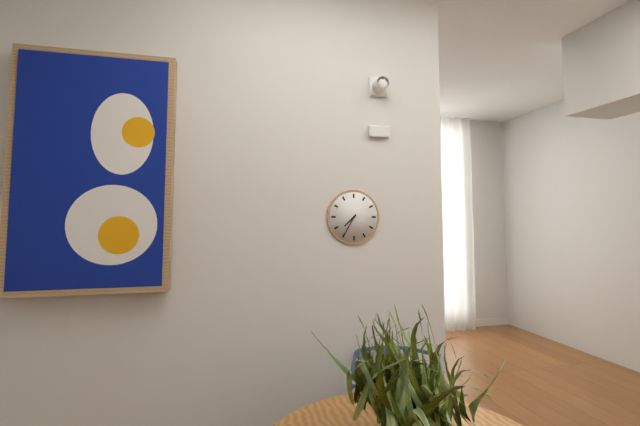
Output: {"hour": 7, "minute": 35}
